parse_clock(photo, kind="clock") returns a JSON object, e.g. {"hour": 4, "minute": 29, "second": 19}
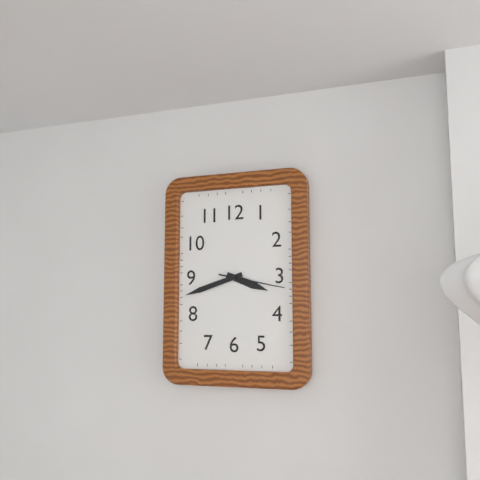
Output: {"hour": 3, "minute": 42, "second": 17}
